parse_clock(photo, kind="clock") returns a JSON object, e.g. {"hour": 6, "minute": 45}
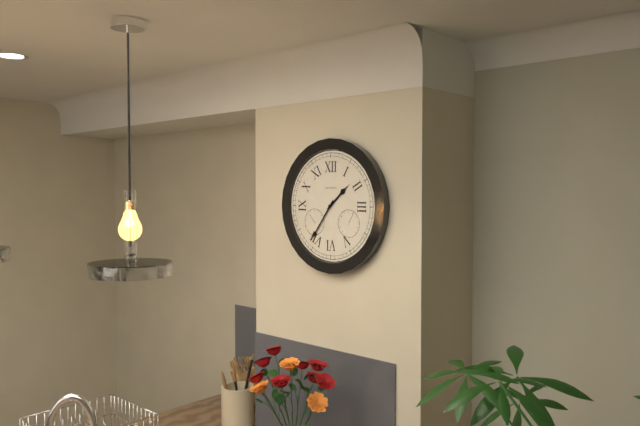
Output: {"hour": 1, "minute": 36}
